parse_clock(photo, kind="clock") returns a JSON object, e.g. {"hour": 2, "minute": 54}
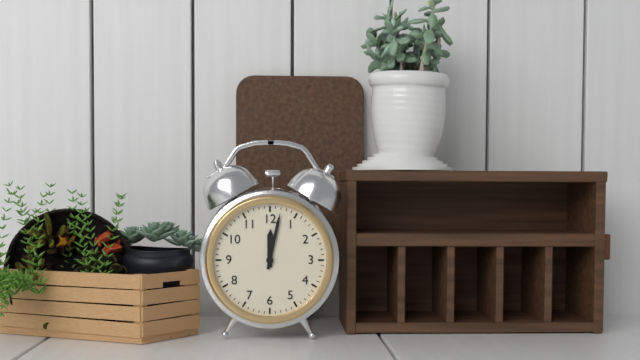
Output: {"hour": 12, "minute": 2}
